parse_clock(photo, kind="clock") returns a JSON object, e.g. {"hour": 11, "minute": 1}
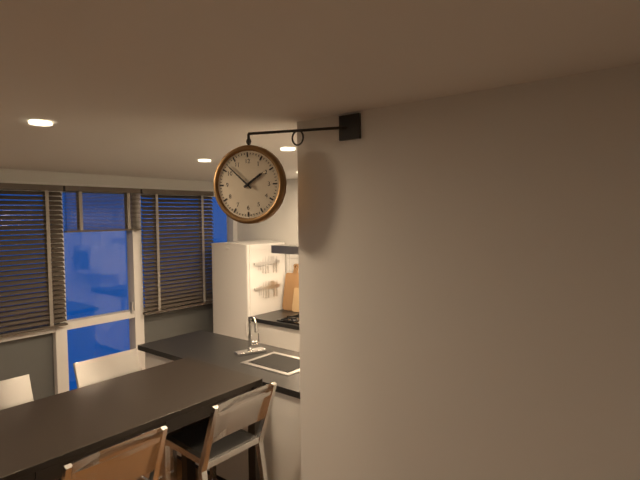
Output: {"hour": 1, "minute": 52}
